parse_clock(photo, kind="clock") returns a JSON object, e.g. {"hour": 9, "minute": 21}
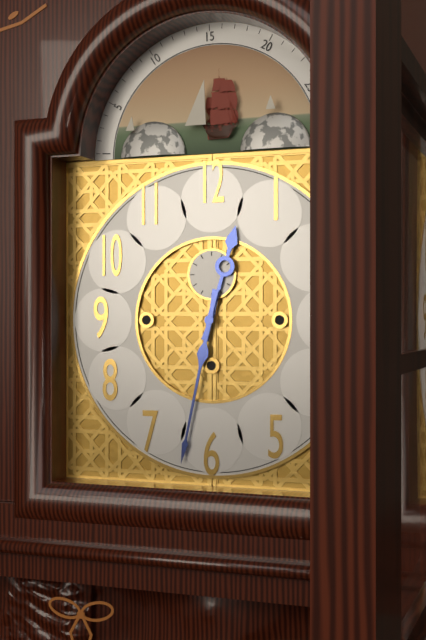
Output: {"hour": 12, "minute": 32}
